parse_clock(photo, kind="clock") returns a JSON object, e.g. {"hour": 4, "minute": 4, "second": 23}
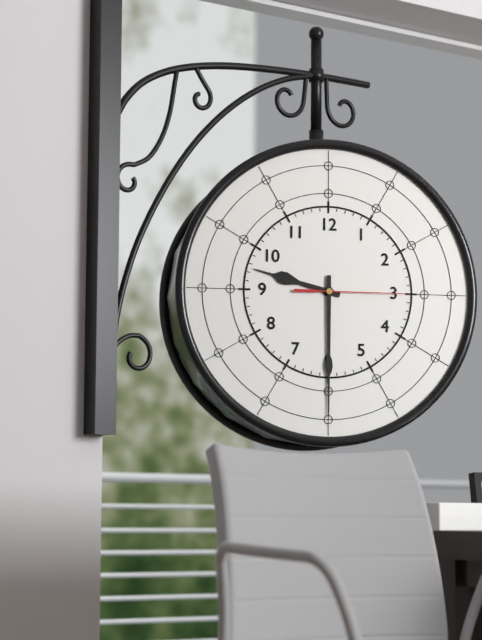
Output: {"hour": 9, "minute": 30, "second": 15}
